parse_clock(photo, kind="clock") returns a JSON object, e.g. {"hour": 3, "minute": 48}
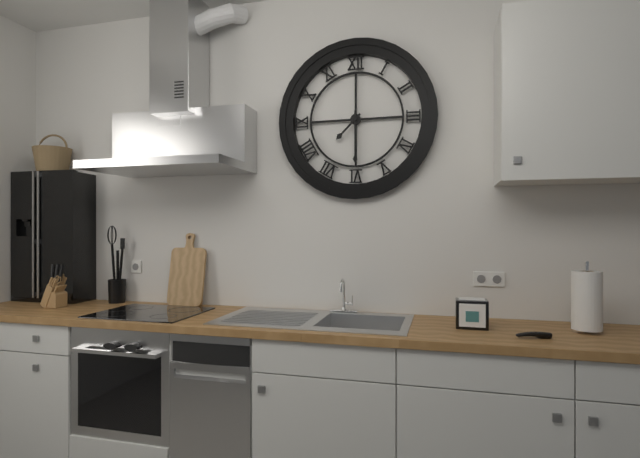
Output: {"hour": 7, "minute": 30}
